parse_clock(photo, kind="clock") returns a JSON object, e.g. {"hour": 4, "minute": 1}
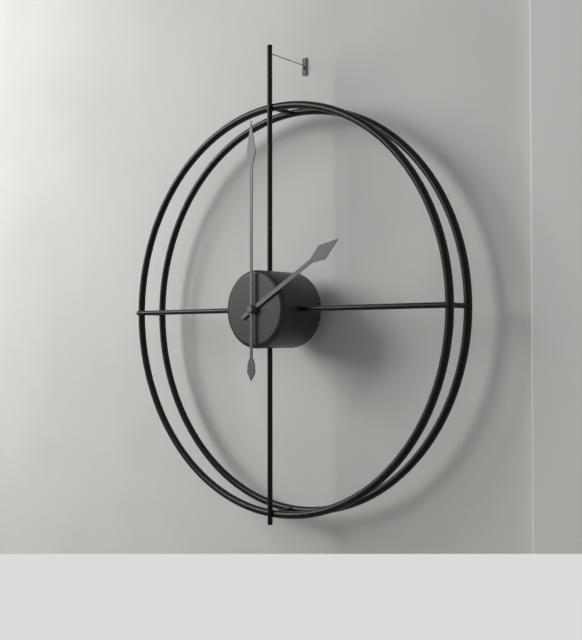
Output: {"hour": 2, "minute": 0}
